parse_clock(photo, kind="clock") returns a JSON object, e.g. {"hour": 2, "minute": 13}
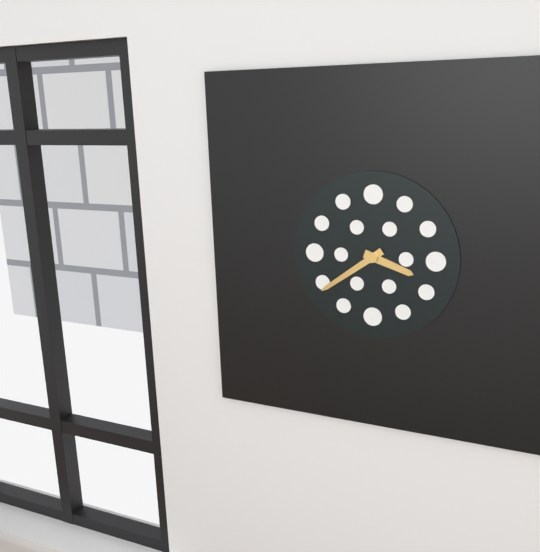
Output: {"hour": 3, "minute": 39}
